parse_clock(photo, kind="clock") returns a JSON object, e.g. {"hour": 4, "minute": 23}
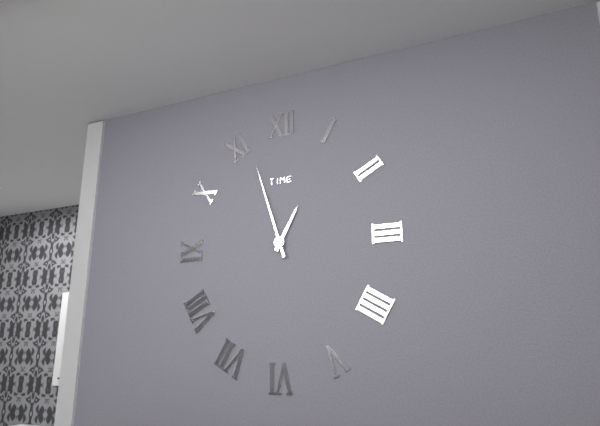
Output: {"hour": 12, "minute": 57}
